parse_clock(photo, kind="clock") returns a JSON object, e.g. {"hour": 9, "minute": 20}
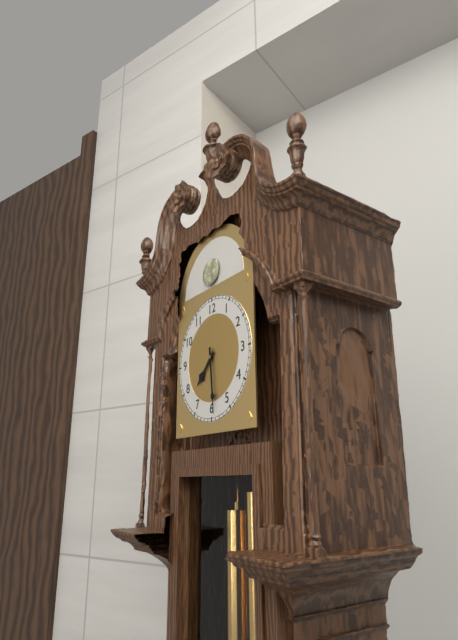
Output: {"hour": 7, "minute": 29}
